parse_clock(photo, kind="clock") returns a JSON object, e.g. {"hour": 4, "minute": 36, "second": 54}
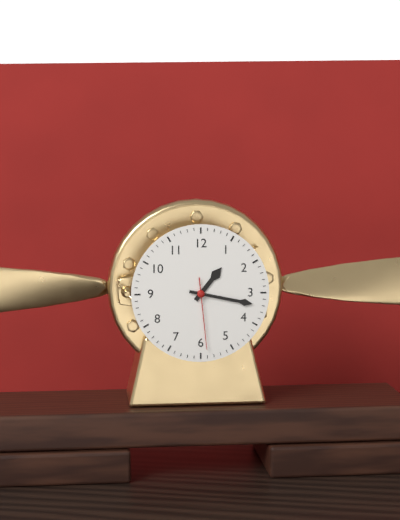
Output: {"hour": 1, "minute": 17, "second": 29}
